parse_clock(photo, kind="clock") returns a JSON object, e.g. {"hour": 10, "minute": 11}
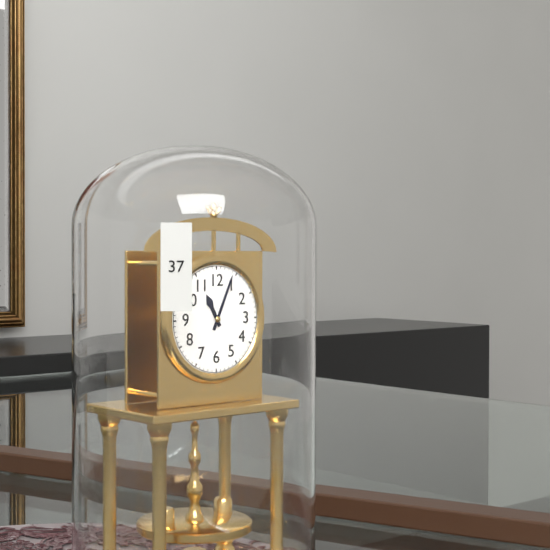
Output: {"hour": 11, "minute": 4}
